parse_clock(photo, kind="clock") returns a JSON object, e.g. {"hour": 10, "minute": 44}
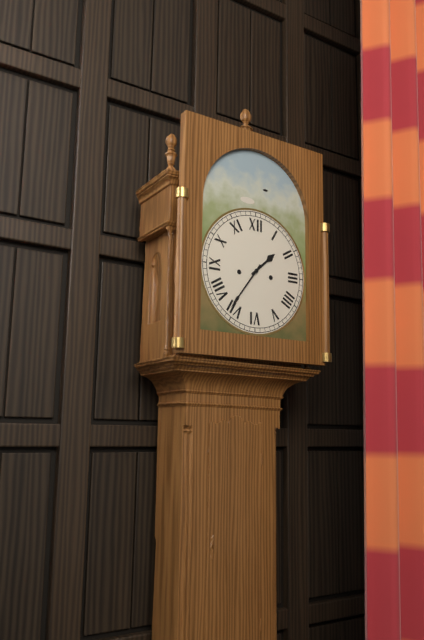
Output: {"hour": 1, "minute": 36}
